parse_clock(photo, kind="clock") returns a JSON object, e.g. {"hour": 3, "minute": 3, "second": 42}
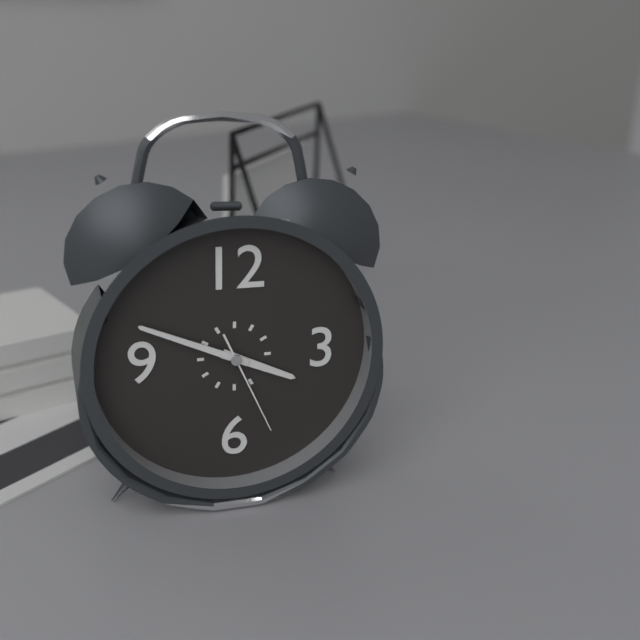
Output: {"hour": 3, "minute": 49, "second": 26}
